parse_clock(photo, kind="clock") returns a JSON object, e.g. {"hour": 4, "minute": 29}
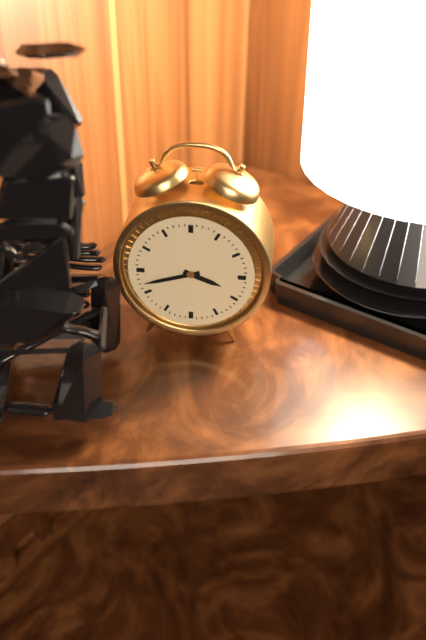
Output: {"hour": 3, "minute": 42}
